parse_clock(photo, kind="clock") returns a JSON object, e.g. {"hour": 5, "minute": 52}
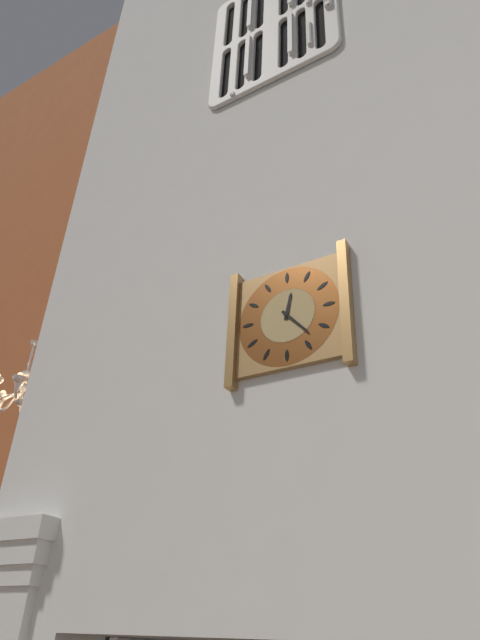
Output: {"hour": 12, "minute": 23}
